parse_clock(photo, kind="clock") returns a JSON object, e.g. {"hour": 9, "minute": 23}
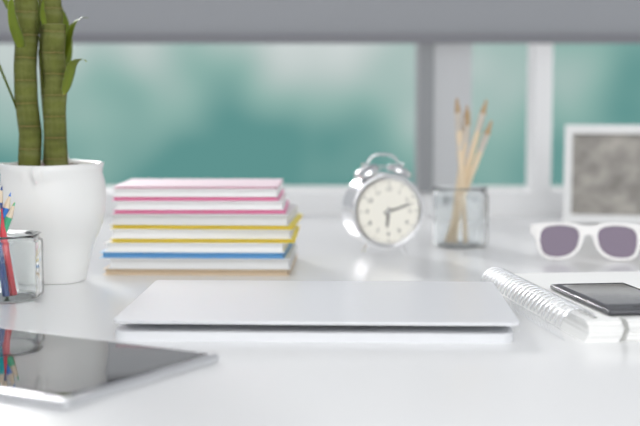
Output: {"hour": 6, "minute": 12}
